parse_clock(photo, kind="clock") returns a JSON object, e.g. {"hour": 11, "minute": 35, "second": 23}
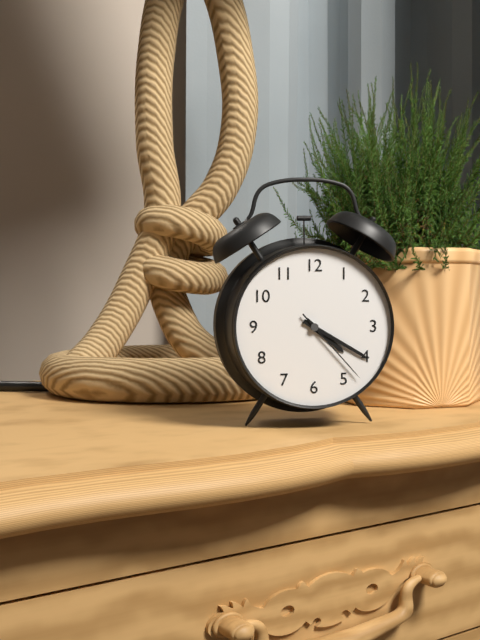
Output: {"hour": 4, "minute": 20, "second": 23}
